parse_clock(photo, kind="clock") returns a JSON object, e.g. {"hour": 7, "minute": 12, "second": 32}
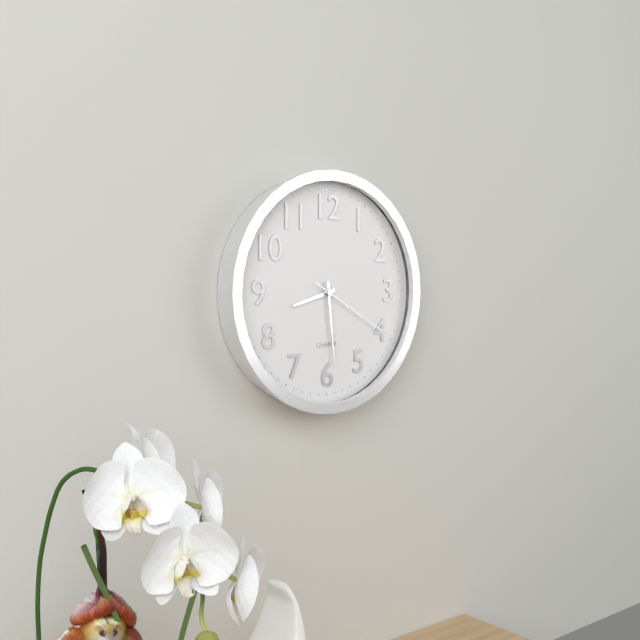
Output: {"hour": 8, "minute": 29, "second": 20}
